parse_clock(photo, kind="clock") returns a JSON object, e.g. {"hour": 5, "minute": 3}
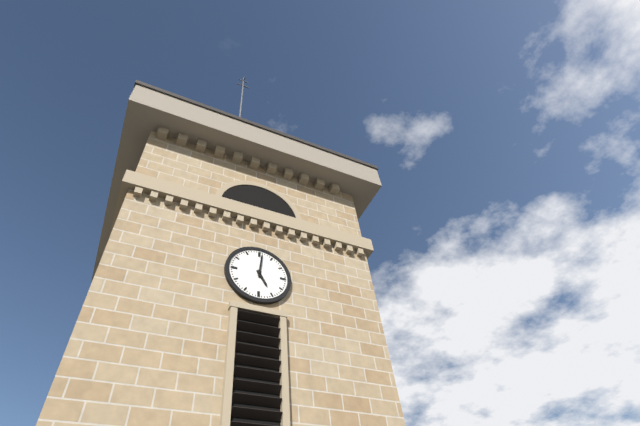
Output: {"hour": 5, "minute": 1}
